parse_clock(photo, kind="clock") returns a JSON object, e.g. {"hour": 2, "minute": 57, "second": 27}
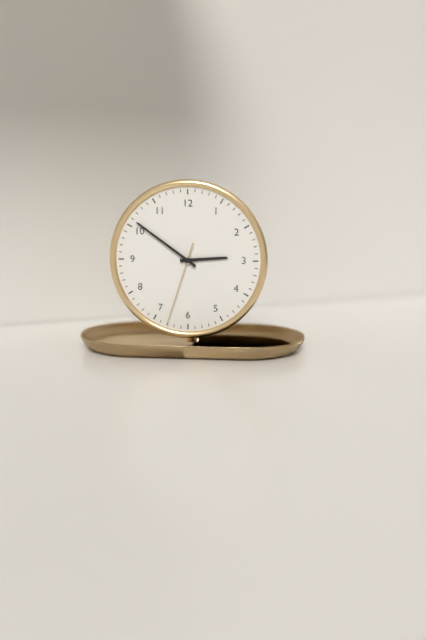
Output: {"hour": 2, "minute": 51, "second": 33}
